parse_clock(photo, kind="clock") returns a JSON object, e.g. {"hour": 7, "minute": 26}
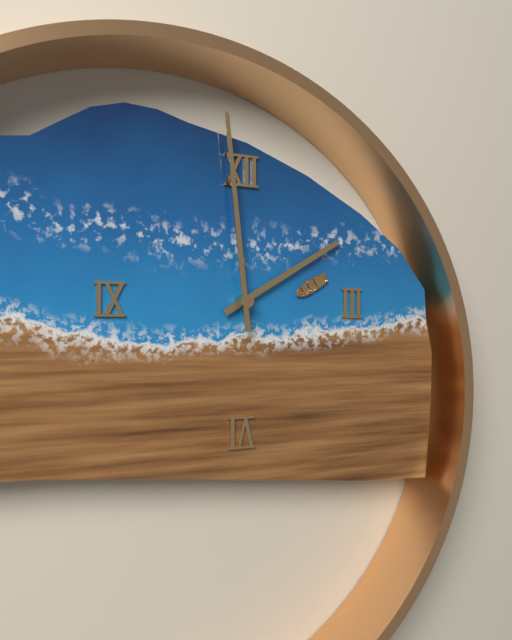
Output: {"hour": 1, "minute": 59}
